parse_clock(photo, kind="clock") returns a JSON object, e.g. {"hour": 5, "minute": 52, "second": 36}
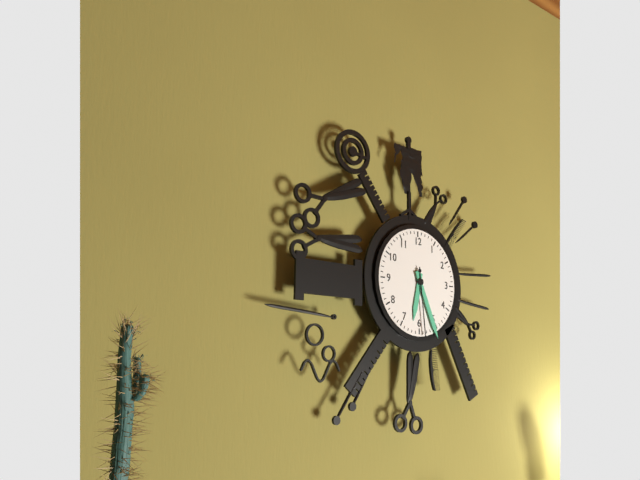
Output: {"hour": 6, "minute": 26, "second": 29}
